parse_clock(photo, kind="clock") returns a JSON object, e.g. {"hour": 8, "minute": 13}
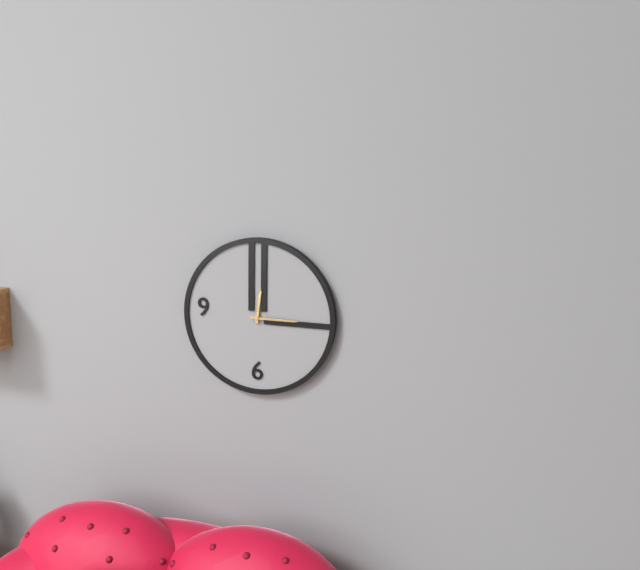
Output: {"hour": 12, "minute": 15}
